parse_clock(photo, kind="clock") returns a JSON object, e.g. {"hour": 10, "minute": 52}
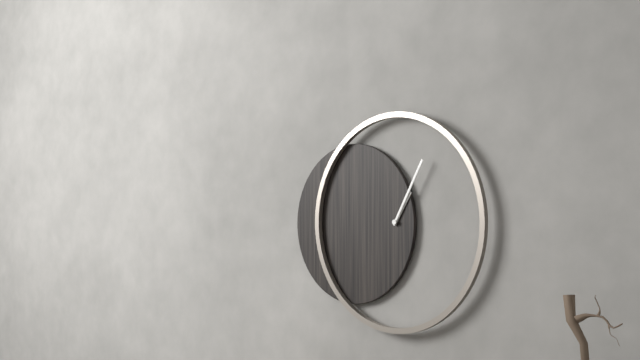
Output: {"hour": 1, "minute": 5}
